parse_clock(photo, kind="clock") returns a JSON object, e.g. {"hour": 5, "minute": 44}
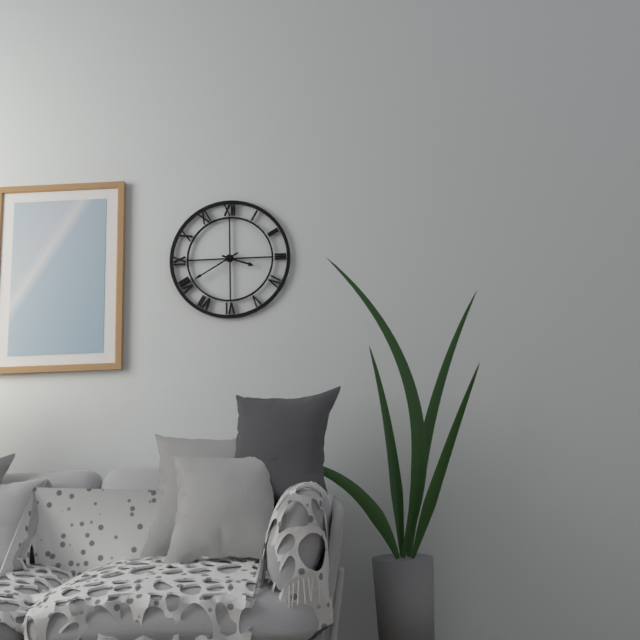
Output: {"hour": 3, "minute": 40}
